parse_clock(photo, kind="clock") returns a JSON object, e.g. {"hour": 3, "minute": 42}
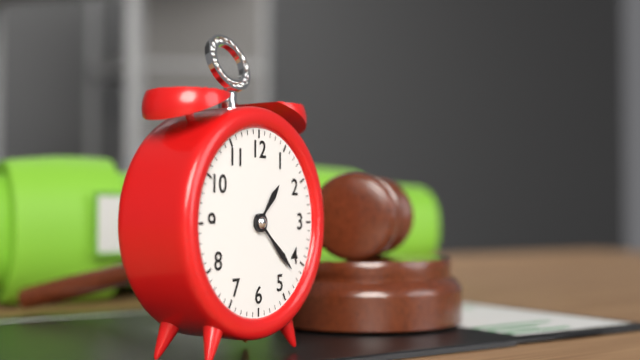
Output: {"hour": 1, "minute": 22}
